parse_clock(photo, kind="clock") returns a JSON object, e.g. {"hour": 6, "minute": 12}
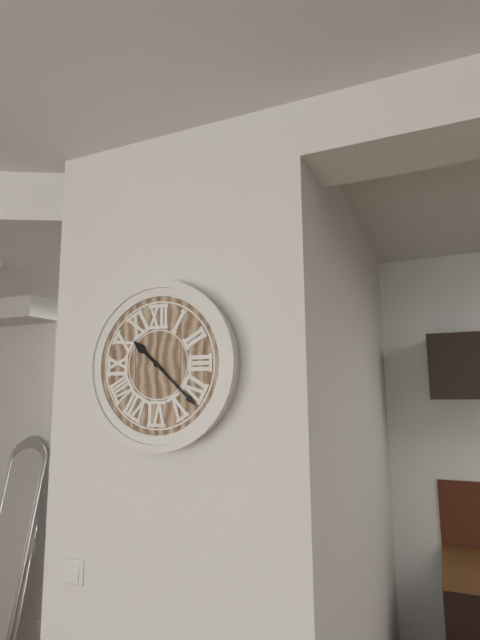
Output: {"hour": 10, "minute": 22}
